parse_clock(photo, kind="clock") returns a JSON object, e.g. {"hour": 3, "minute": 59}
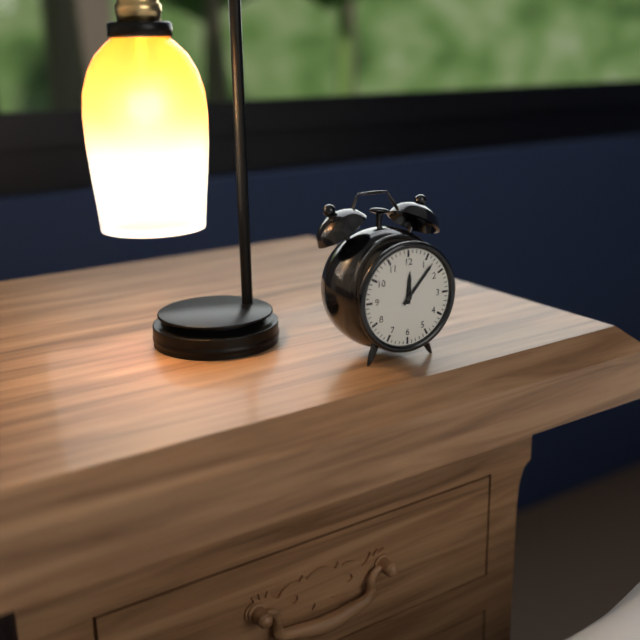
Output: {"hour": 12, "minute": 7}
